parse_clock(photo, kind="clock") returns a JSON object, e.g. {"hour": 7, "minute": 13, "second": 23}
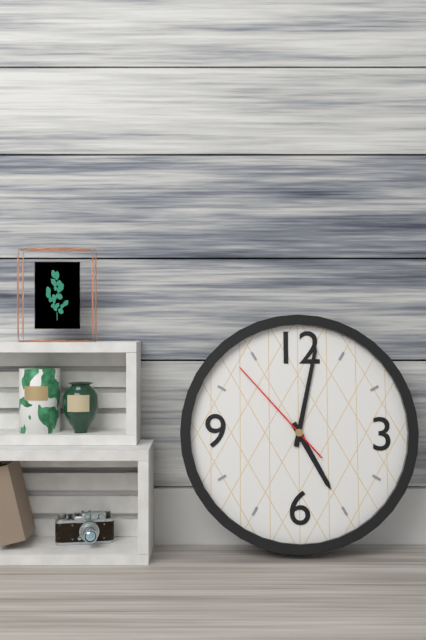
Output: {"hour": 5, "minute": 2, "second": 53}
